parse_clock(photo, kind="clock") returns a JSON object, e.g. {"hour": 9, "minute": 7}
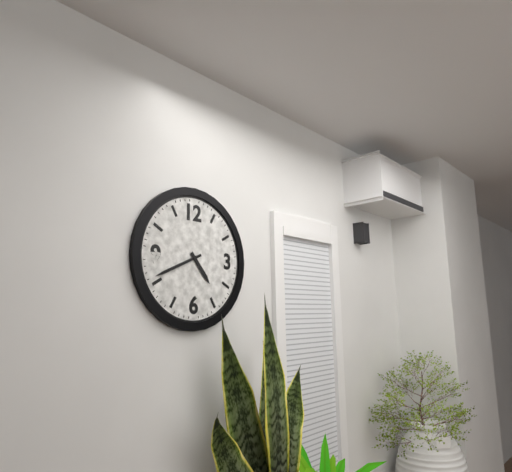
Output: {"hour": 4, "minute": 41}
